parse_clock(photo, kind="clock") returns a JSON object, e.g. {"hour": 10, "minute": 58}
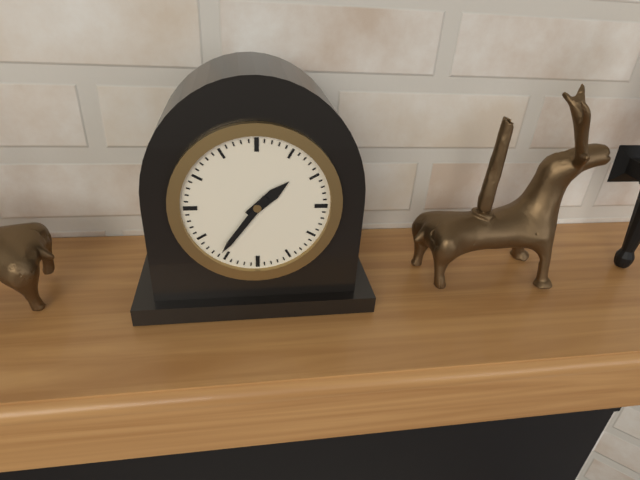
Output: {"hour": 1, "minute": 36}
